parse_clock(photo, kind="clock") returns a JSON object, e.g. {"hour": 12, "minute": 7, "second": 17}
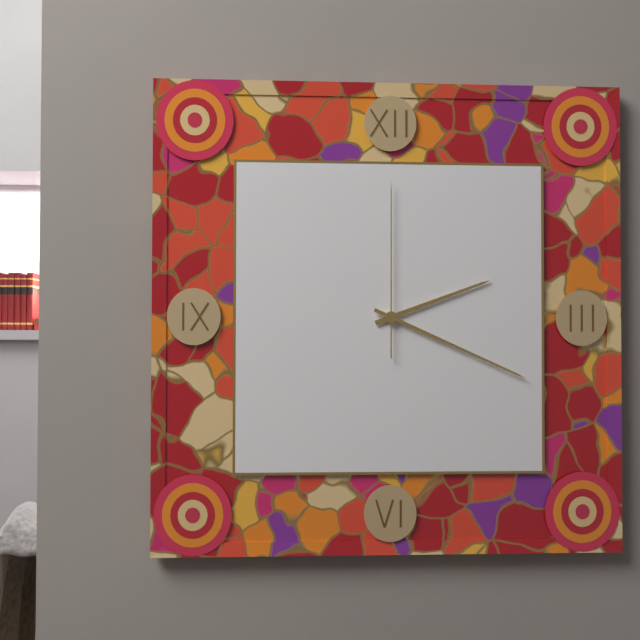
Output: {"hour": 2, "minute": 19, "second": 0}
